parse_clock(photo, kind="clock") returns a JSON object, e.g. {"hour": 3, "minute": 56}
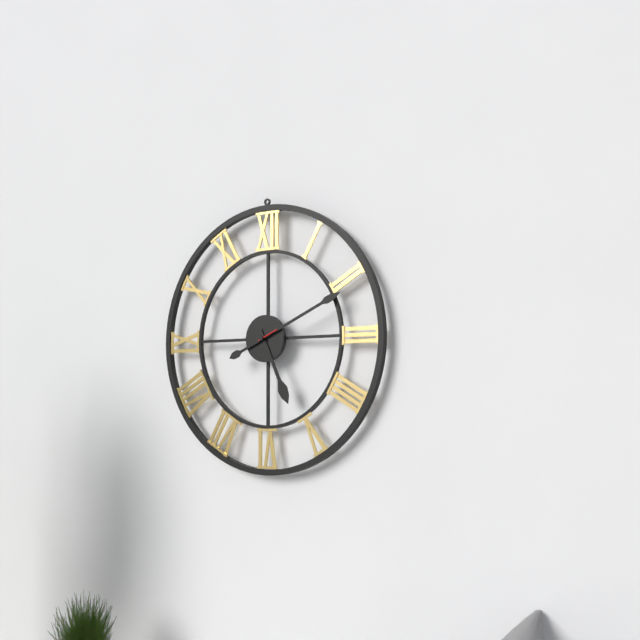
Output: {"hour": 5, "minute": 11}
